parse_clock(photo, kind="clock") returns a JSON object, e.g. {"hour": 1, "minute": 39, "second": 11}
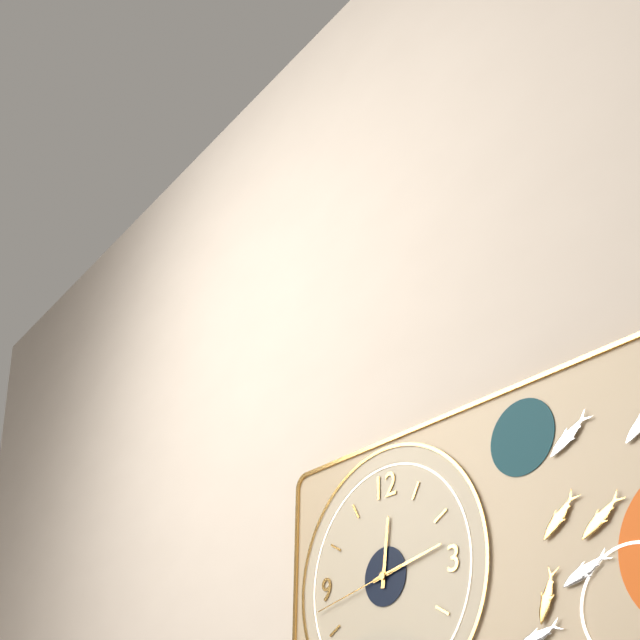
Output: {"hour": 12, "minute": 13, "second": 43}
